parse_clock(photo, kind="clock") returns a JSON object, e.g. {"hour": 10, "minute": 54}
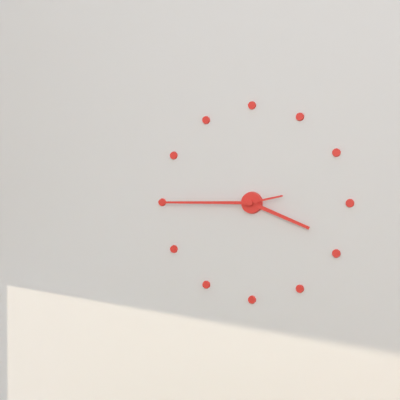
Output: {"hour": 3, "minute": 45}
